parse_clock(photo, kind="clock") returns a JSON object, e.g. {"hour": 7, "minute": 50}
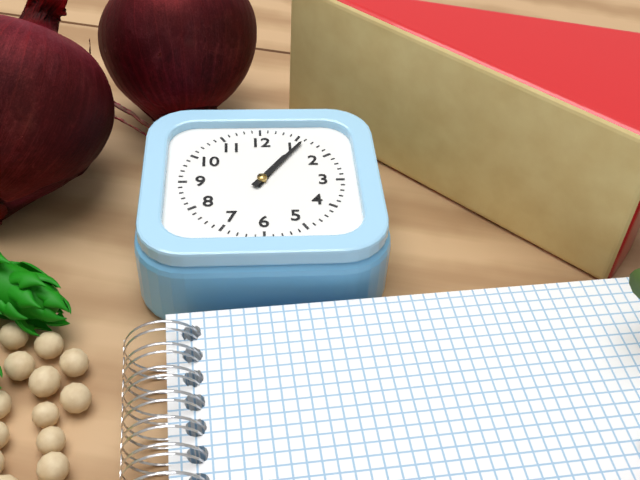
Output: {"hour": 1, "minute": 6}
